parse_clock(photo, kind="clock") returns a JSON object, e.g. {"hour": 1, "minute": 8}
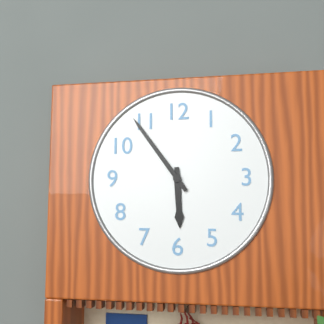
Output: {"hour": 5, "minute": 54}
